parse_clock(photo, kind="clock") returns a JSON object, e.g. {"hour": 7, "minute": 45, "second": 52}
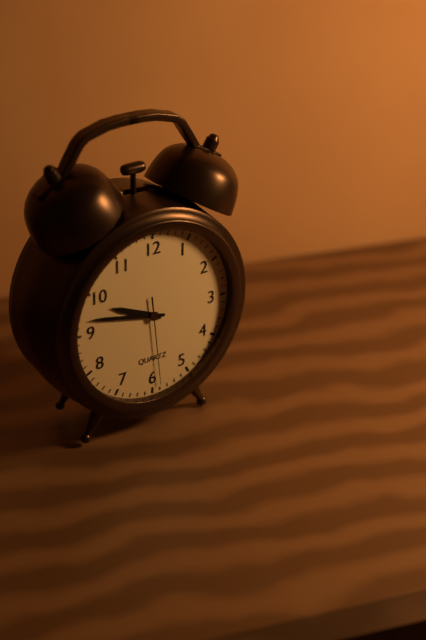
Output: {"hour": 9, "minute": 47, "second": 29}
